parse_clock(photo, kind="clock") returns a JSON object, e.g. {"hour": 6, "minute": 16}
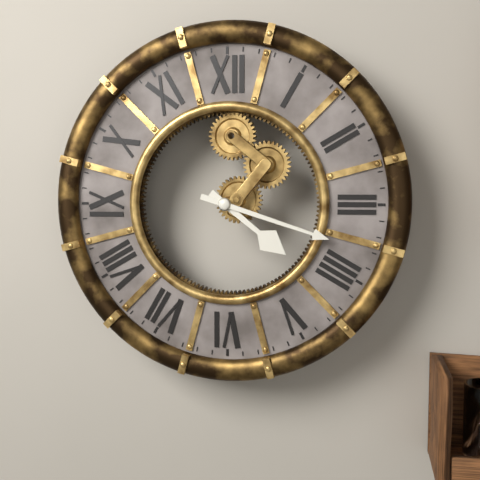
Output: {"hour": 4, "minute": 18}
